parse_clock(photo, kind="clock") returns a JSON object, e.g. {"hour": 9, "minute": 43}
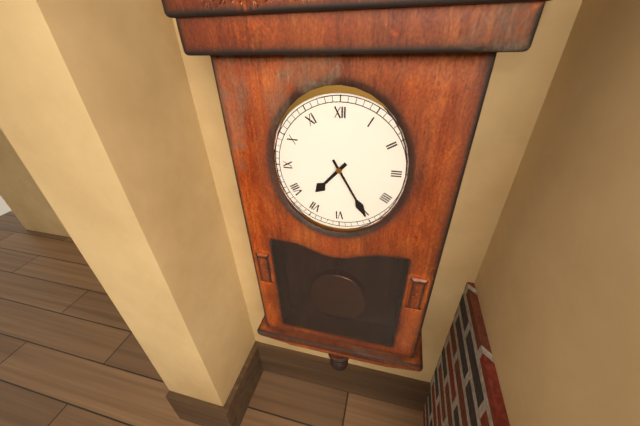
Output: {"hour": 7, "minute": 25}
